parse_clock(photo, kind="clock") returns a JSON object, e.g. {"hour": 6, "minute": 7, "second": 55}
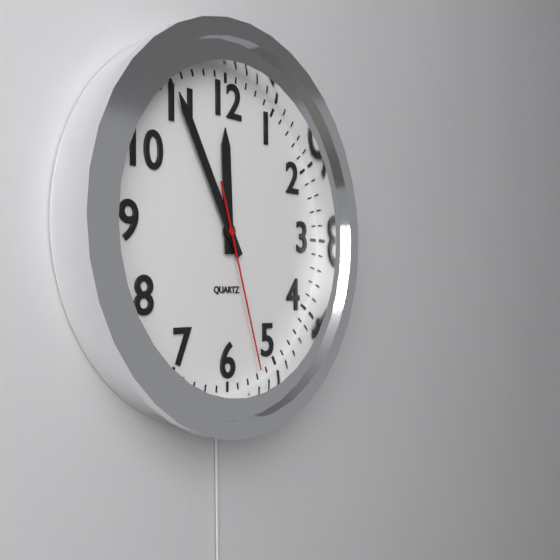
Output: {"hour": 11, "minute": 55, "second": 27}
